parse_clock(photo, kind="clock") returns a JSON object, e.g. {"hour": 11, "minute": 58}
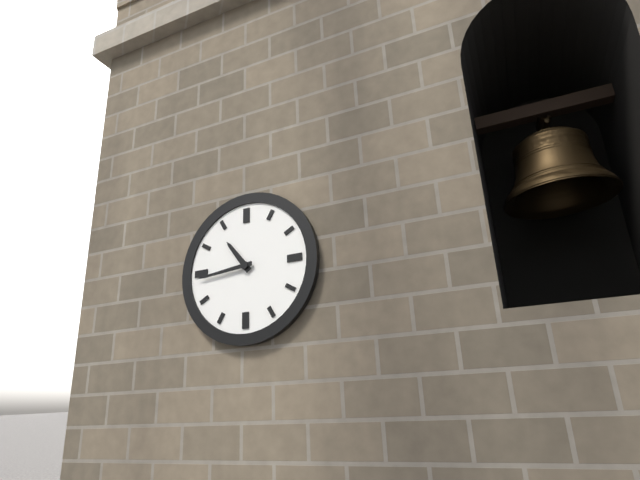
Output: {"hour": 10, "minute": 44}
